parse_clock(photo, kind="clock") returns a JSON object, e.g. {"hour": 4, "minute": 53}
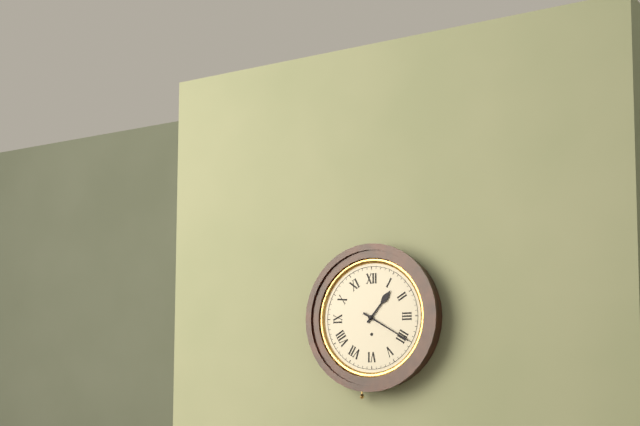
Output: {"hour": 1, "minute": 20}
